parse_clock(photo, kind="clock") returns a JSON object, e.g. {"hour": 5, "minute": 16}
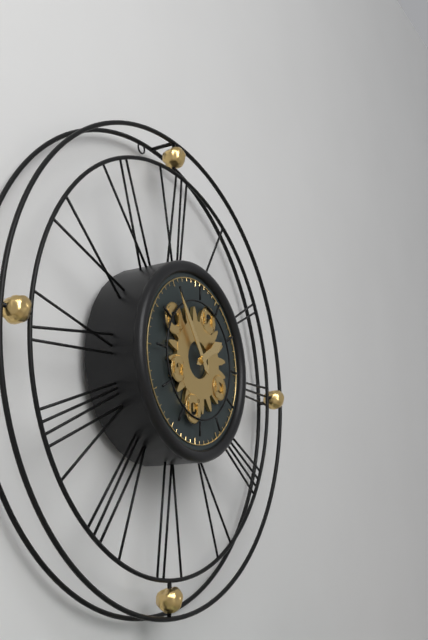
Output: {"hour": 1, "minute": 54}
